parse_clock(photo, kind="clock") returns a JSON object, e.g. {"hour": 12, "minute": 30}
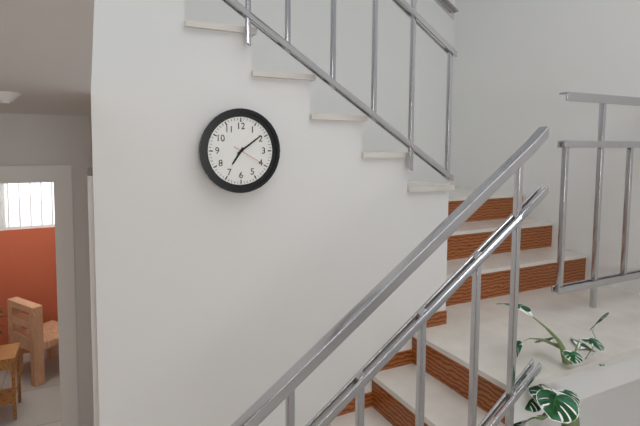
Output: {"hour": 7, "minute": 9}
